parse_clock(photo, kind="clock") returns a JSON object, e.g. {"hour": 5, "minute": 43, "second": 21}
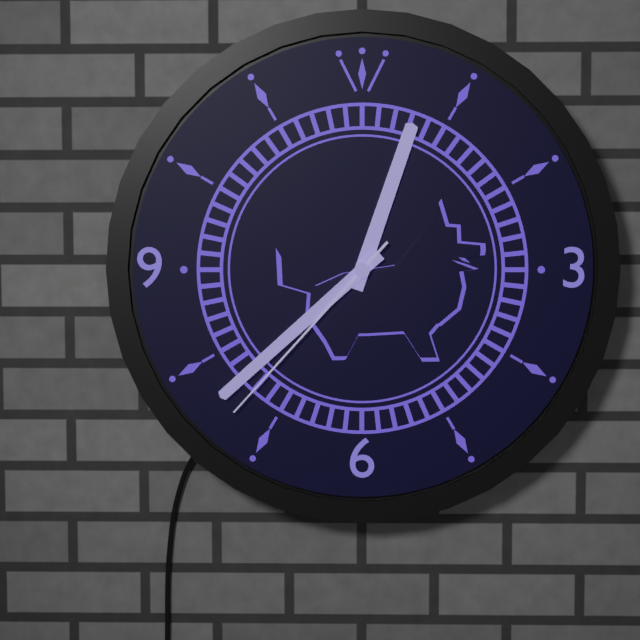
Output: {"hour": 12, "minute": 38, "second": 37}
